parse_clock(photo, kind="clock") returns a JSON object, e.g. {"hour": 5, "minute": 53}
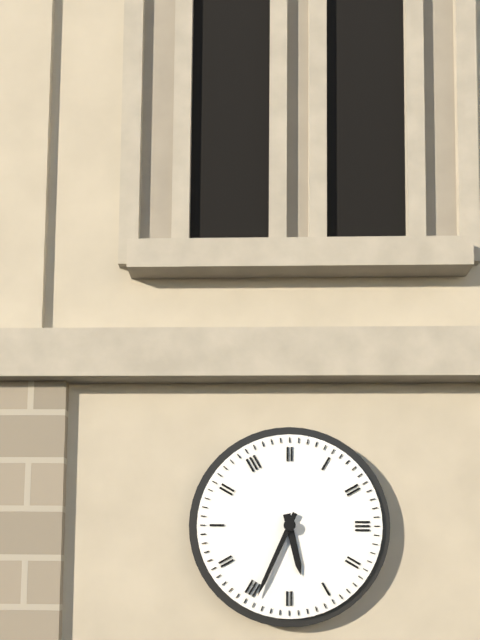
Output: {"hour": 5, "minute": 34}
